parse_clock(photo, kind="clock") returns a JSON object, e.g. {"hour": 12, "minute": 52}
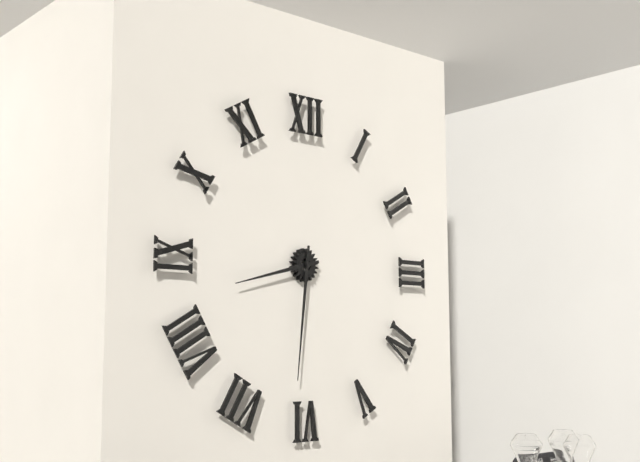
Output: {"hour": 8, "minute": 31}
